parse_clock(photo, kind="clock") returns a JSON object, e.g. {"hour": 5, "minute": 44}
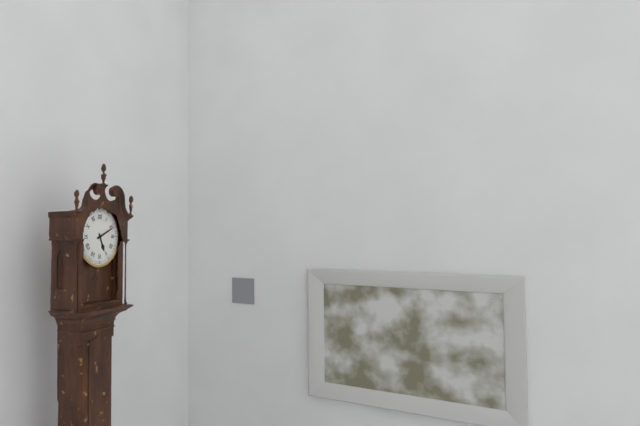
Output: {"hour": 5, "minute": 11}
